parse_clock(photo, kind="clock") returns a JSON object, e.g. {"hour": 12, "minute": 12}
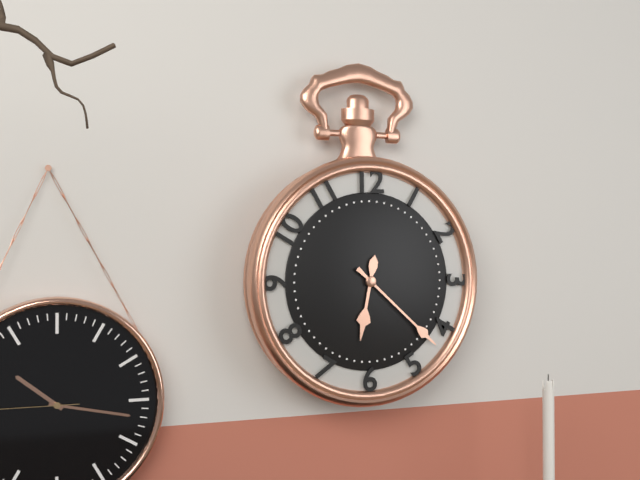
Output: {"hour": 6, "minute": 22}
